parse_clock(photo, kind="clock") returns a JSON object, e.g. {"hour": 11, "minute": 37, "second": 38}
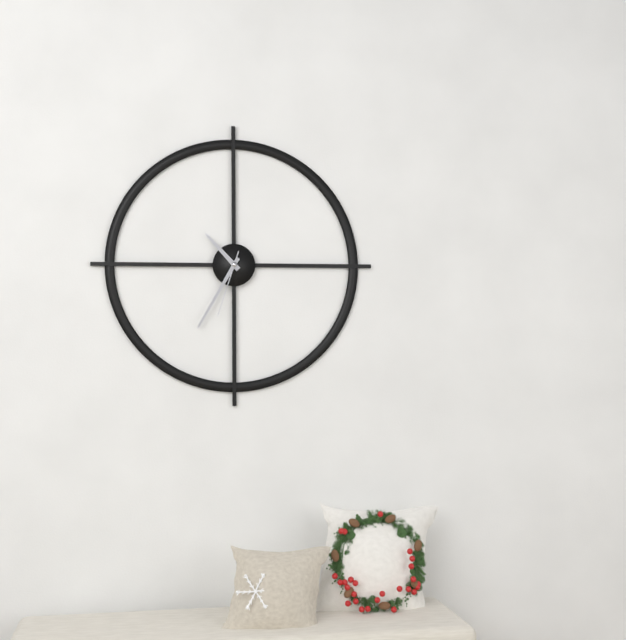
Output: {"hour": 10, "minute": 35, "second": 33}
